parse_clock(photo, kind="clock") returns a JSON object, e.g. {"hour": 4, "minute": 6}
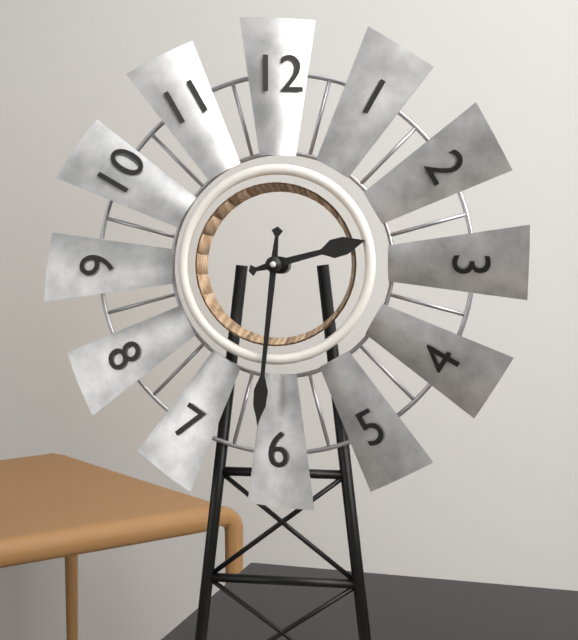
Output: {"hour": 2, "minute": 31}
